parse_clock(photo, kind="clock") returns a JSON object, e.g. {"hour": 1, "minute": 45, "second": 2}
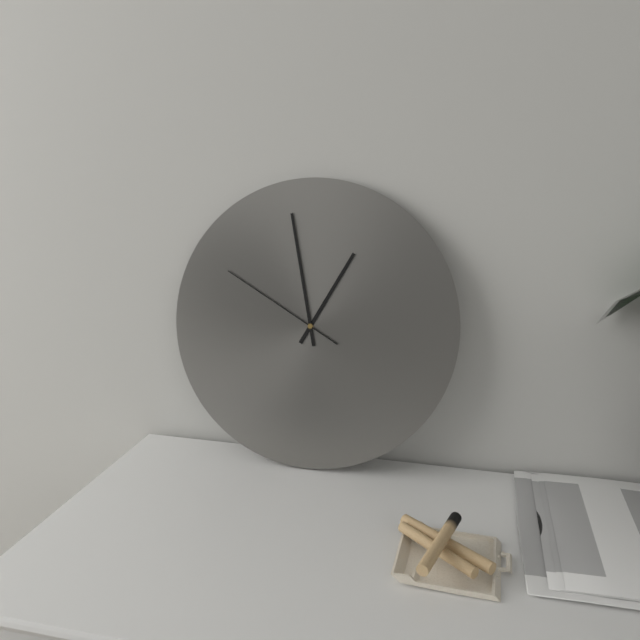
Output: {"hour": 12, "minute": 58, "second": 50}
